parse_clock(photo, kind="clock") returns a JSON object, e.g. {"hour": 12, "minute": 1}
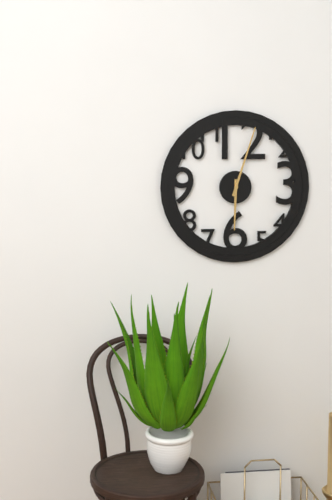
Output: {"hour": 6, "minute": 3}
